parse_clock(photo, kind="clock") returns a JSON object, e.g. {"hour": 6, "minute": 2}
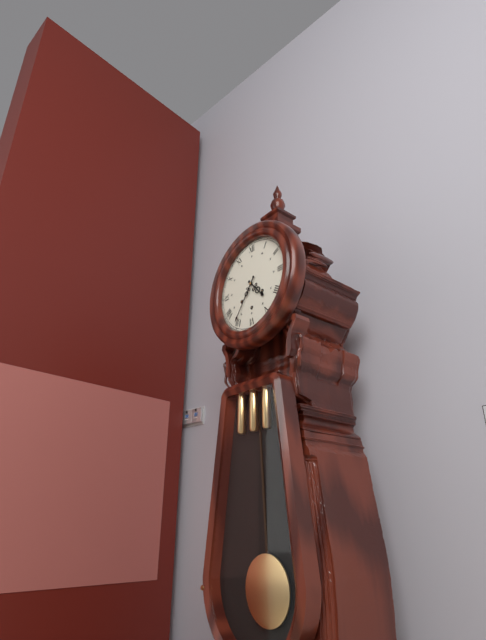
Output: {"hour": 4, "minute": 36}
